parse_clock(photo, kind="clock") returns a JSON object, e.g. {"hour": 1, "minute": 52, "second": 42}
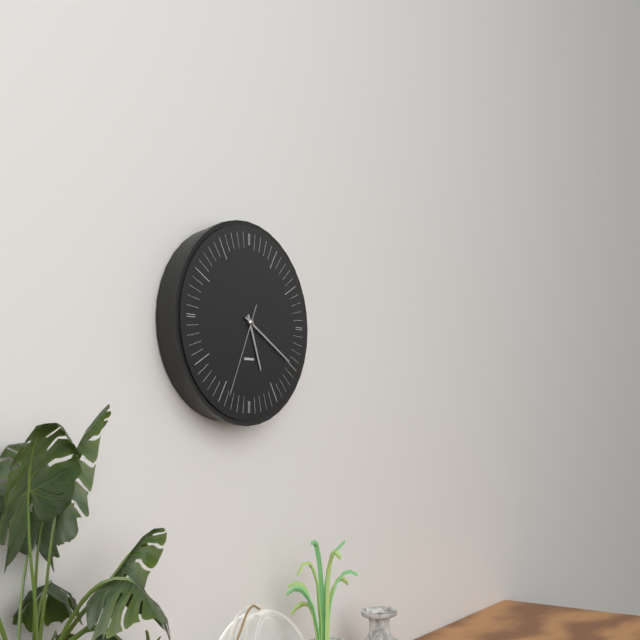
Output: {"hour": 5, "minute": 20, "second": 34}
